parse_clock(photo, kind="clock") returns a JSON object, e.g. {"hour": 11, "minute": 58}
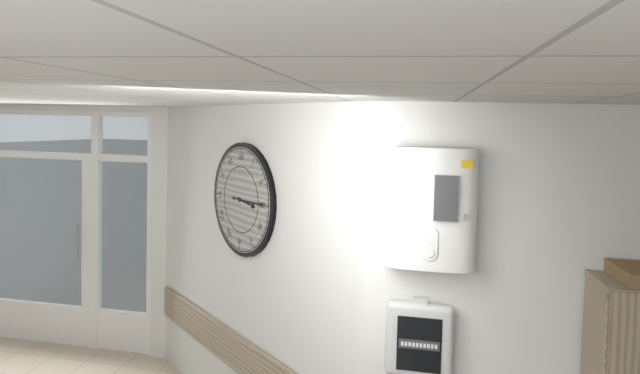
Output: {"hour": 3, "minute": 15}
